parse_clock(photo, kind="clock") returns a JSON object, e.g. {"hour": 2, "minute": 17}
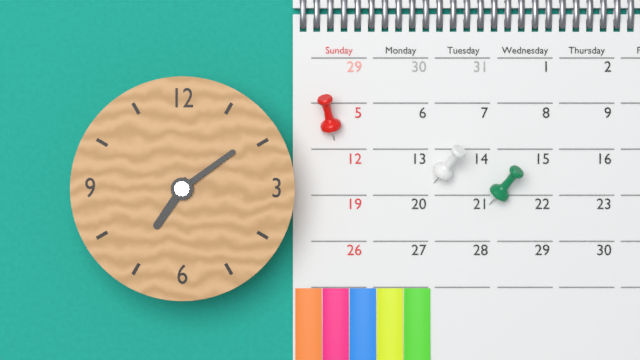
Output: {"hour": 7, "minute": 9}
